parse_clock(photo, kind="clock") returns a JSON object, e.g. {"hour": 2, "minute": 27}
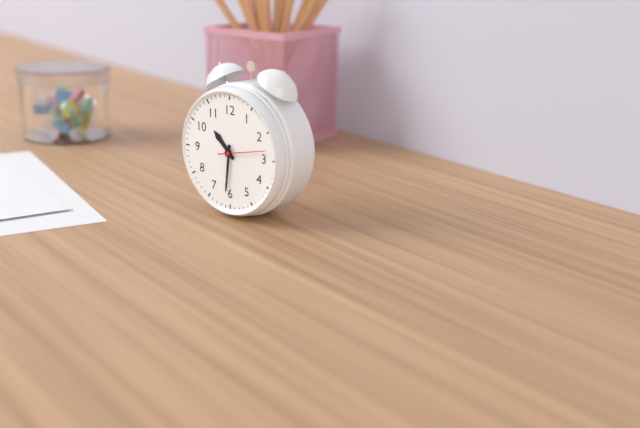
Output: {"hour": 10, "minute": 31}
